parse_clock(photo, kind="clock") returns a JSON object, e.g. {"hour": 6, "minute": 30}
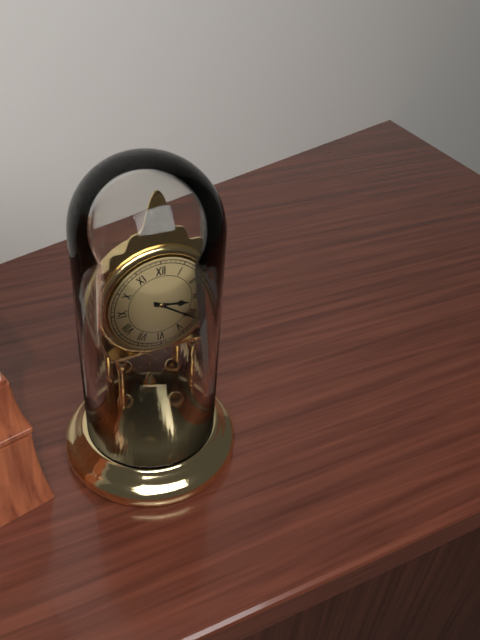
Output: {"hour": 3, "minute": 21}
